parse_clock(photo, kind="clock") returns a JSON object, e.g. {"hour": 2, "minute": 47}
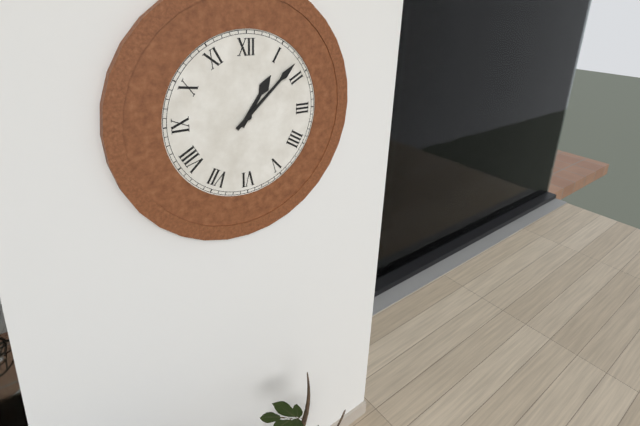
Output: {"hour": 1, "minute": 8}
